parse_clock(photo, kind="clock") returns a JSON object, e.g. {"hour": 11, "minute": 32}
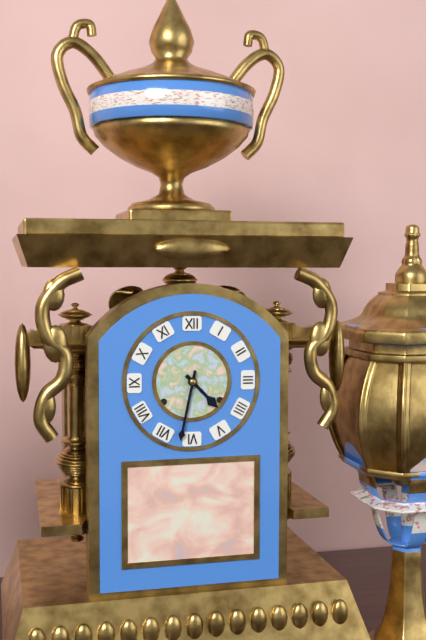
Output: {"hour": 4, "minute": 32}
